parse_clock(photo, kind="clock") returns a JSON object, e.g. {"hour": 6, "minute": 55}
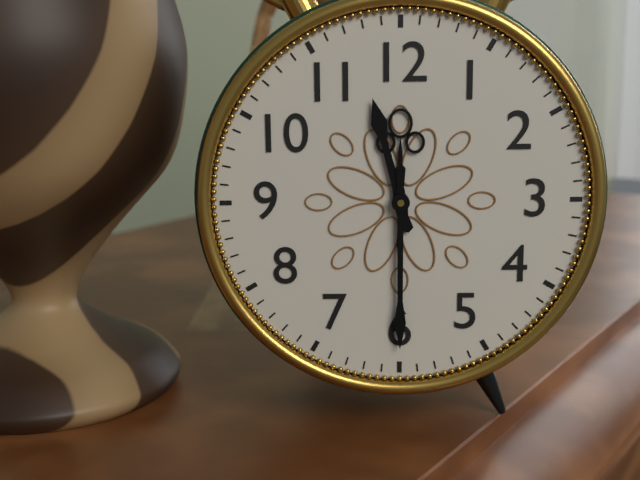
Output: {"hour": 11, "minute": 30}
